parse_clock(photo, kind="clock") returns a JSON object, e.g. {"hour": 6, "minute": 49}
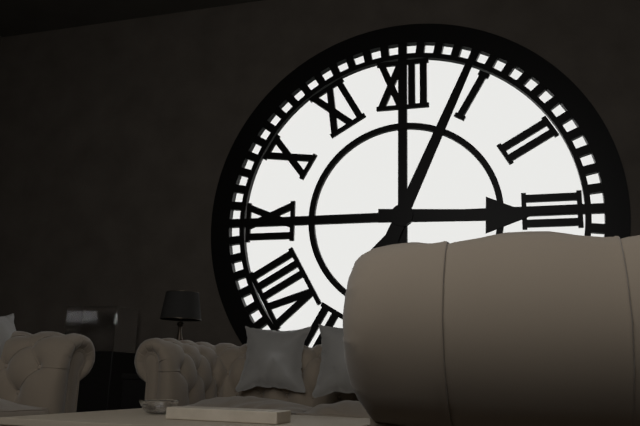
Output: {"hour": 3, "minute": 4}
